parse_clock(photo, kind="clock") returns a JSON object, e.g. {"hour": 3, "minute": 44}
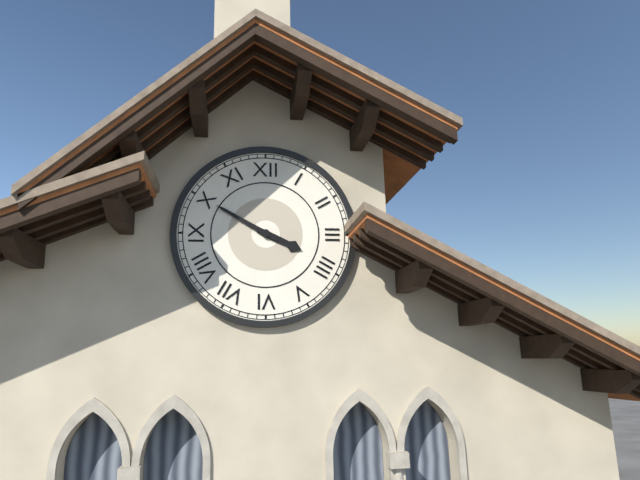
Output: {"hour": 3, "minute": 50}
